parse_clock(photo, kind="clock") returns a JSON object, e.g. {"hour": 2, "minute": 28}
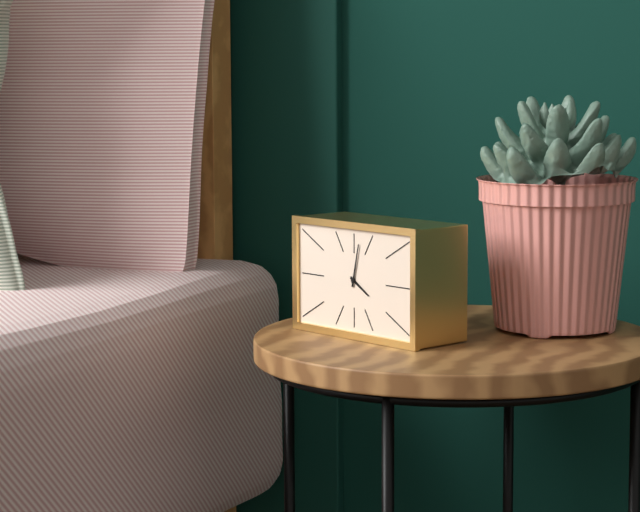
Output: {"hour": 4, "minute": 2}
